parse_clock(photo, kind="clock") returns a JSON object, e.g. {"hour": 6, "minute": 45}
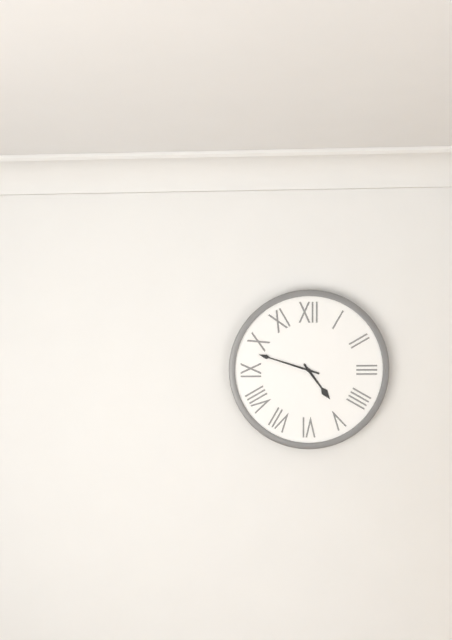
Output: {"hour": 4, "minute": 48}
